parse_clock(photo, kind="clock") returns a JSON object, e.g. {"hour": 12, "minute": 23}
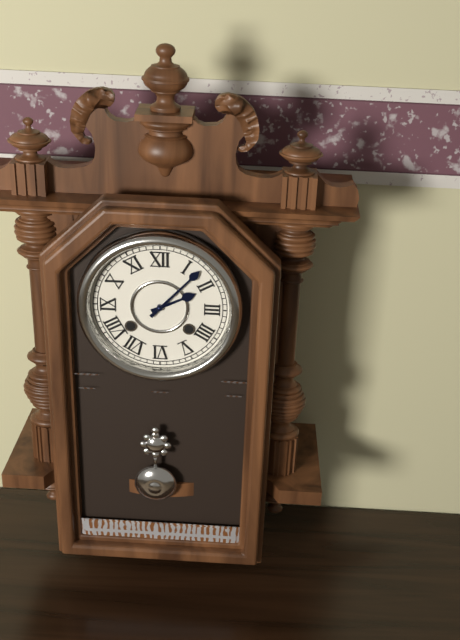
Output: {"hour": 2, "minute": 7}
